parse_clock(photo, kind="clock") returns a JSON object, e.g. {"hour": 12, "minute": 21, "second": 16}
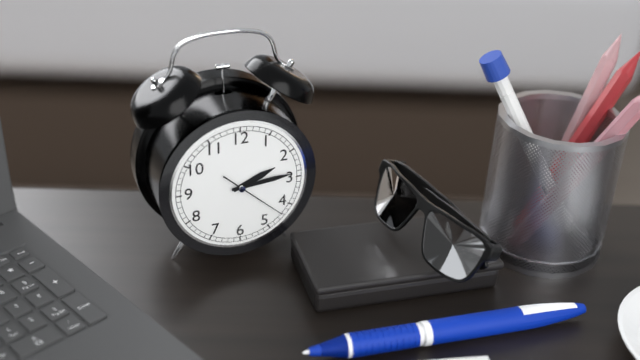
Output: {"hour": 2, "minute": 14, "second": 22}
